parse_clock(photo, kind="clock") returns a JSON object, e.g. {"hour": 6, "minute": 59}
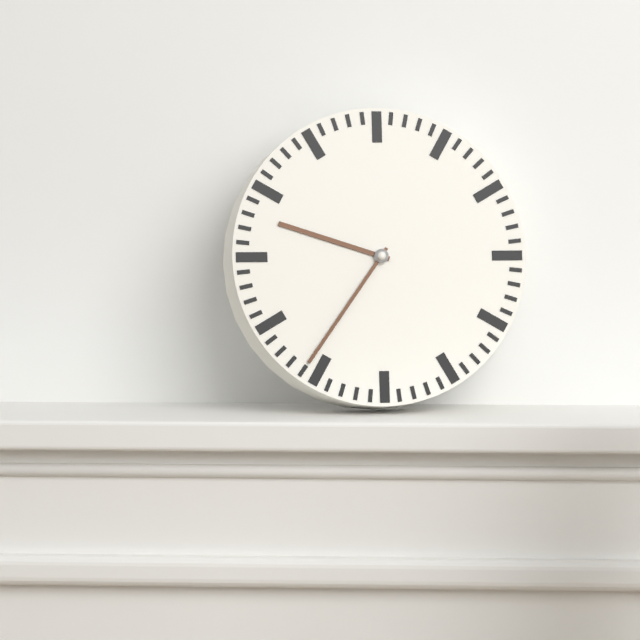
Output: {"hour": 9, "minute": 36}
